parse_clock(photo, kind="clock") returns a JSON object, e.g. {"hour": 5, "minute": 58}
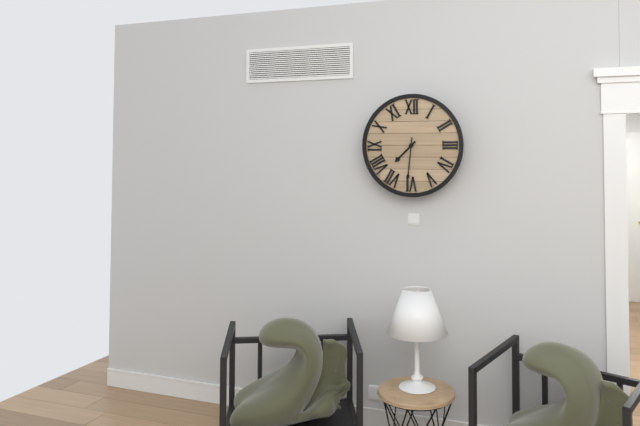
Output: {"hour": 7, "minute": 31}
